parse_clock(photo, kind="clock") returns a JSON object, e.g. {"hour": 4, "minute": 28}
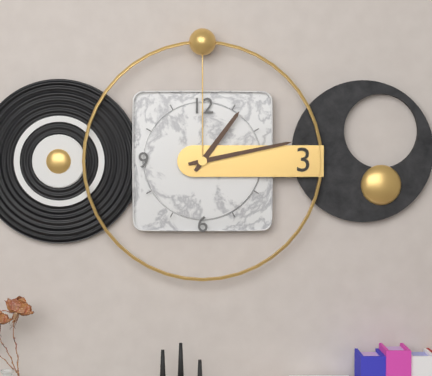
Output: {"hour": 1, "minute": 13}
